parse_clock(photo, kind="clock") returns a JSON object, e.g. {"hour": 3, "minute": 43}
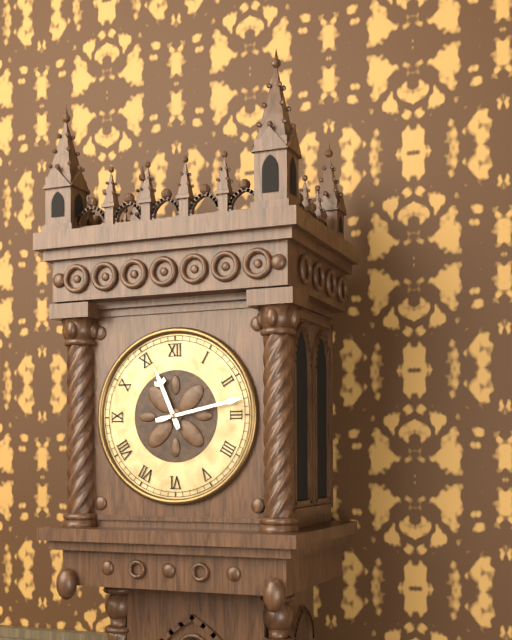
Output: {"hour": 11, "minute": 13}
